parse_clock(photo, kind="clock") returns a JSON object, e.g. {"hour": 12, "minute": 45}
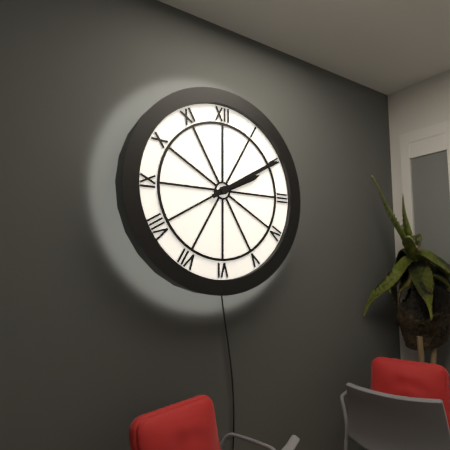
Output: {"hour": 2, "minute": 10}
